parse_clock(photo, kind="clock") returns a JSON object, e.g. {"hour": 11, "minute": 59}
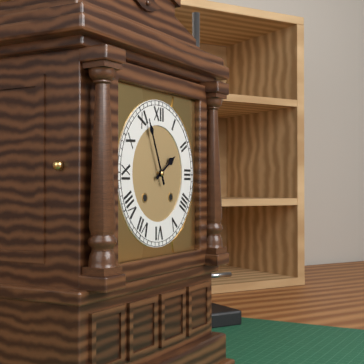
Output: {"hour": 1, "minute": 56}
